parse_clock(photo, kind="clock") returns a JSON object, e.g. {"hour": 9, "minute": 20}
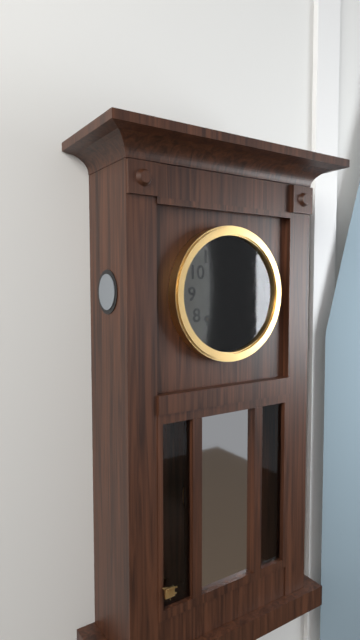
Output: {"hour": 12, "minute": 15}
